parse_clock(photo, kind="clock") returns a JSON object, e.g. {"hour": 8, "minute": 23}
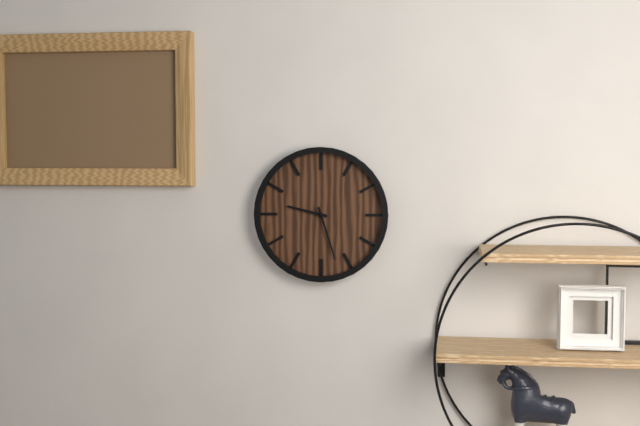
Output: {"hour": 9, "minute": 27}
